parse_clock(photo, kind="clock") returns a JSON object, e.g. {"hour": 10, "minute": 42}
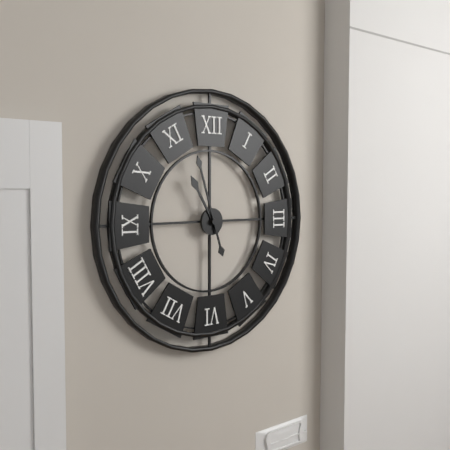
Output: {"hour": 10, "minute": 57}
